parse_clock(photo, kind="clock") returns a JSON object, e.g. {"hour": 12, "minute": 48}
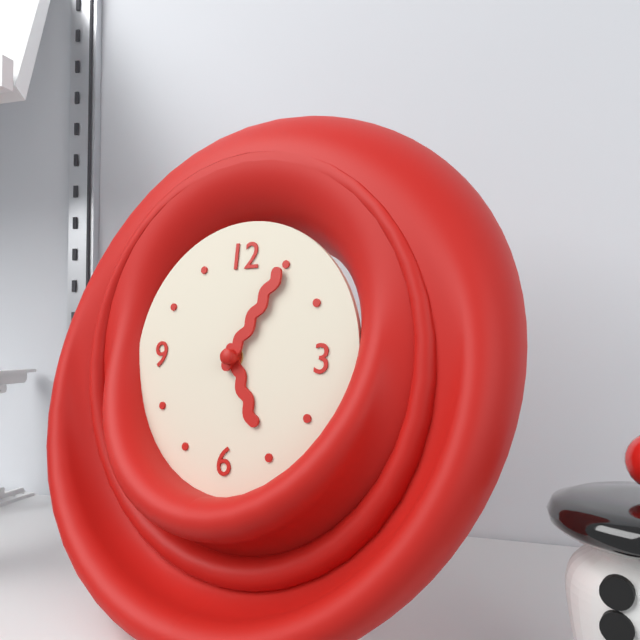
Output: {"hour": 5, "minute": 5}
